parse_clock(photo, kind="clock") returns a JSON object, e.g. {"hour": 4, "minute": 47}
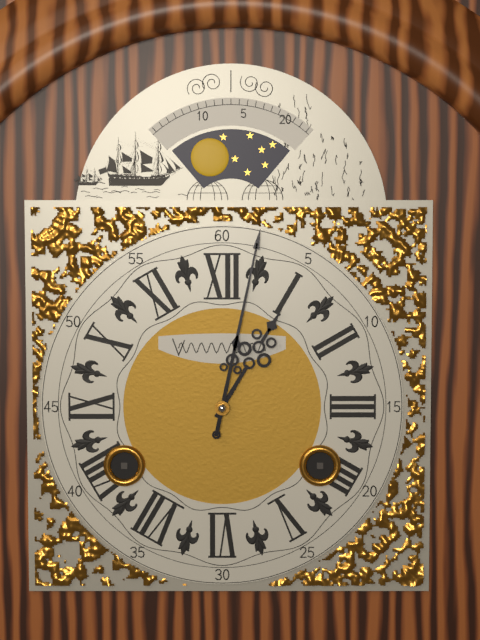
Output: {"hour": 1, "minute": 2}
